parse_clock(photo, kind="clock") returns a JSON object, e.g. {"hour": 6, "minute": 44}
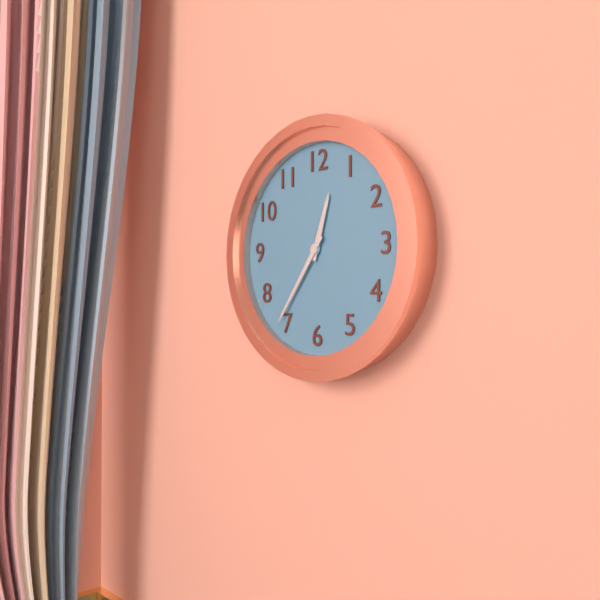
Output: {"hour": 12, "minute": 36}
